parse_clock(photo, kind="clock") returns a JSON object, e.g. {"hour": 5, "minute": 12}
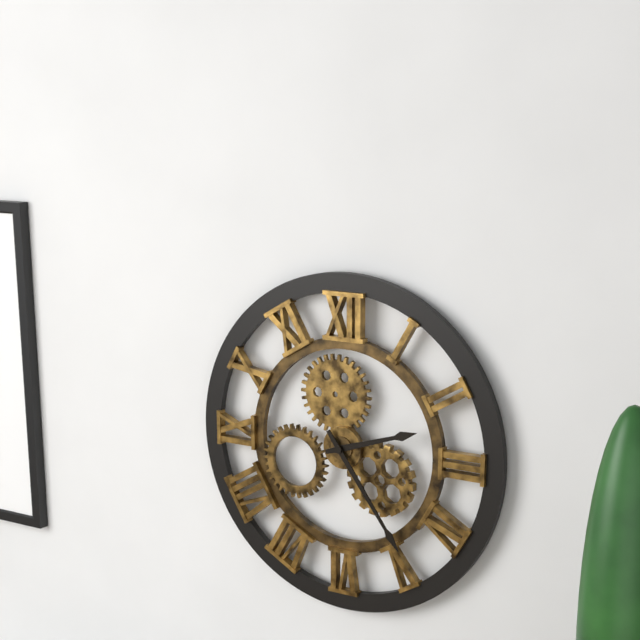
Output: {"hour": 2, "minute": 24}
